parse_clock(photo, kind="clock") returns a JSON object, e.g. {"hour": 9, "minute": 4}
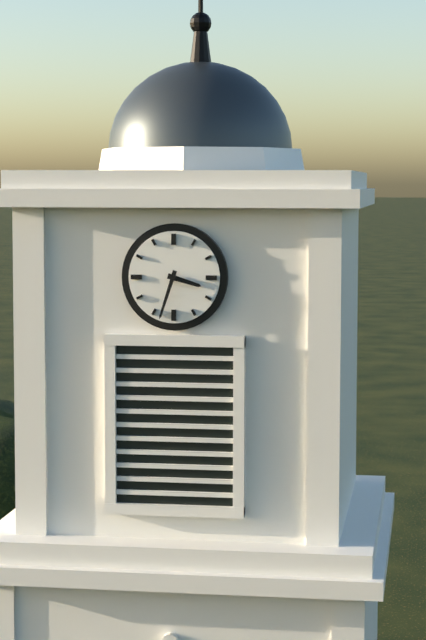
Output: {"hour": 3, "minute": 33}
